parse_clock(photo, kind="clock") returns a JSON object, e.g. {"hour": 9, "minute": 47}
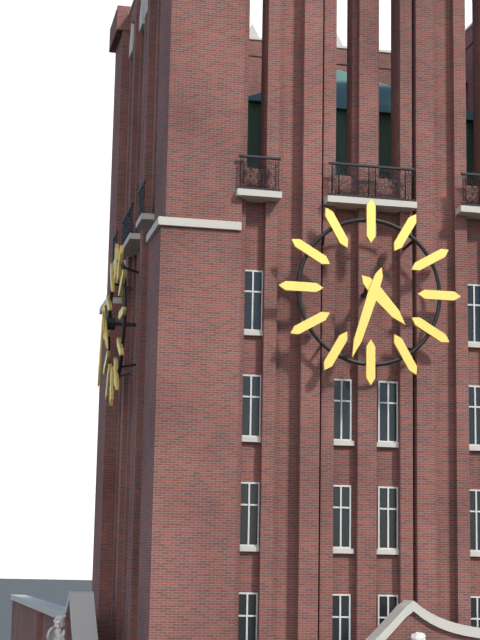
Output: {"hour": 4, "minute": 33}
